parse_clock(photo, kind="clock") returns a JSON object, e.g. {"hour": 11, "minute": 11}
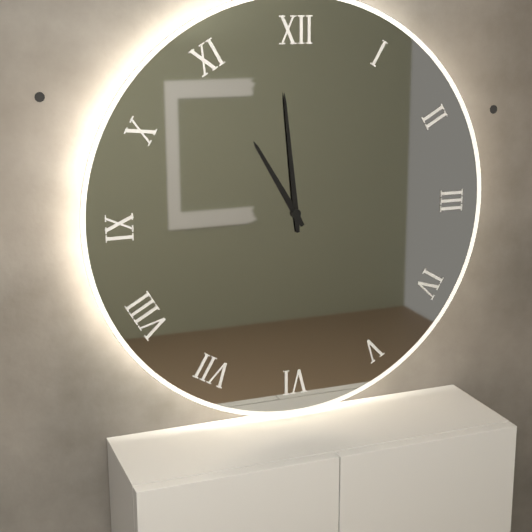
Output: {"hour": 10, "minute": 59}
